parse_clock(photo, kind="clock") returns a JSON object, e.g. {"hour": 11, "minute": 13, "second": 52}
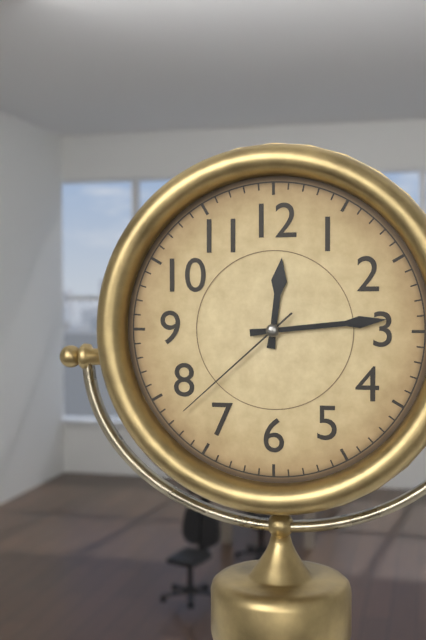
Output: {"hour": 12, "minute": 14, "second": 38}
